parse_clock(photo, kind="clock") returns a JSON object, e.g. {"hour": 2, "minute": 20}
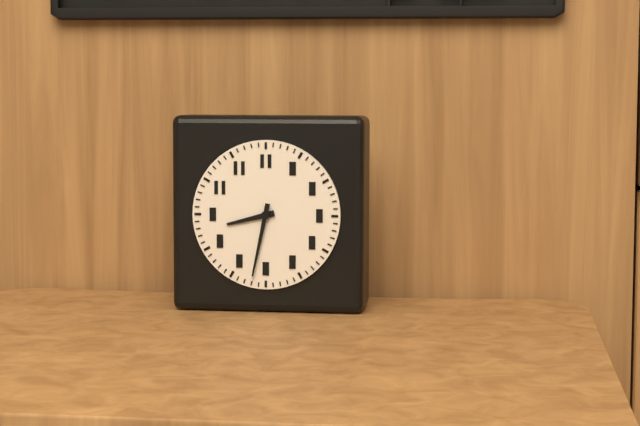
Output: {"hour": 8, "minute": 32}
